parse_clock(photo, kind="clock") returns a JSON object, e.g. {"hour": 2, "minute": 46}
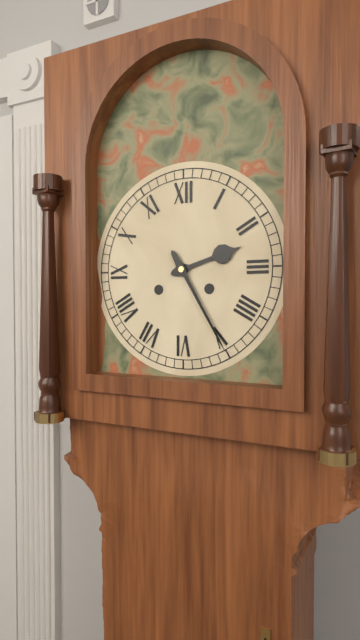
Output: {"hour": 2, "minute": 25}
